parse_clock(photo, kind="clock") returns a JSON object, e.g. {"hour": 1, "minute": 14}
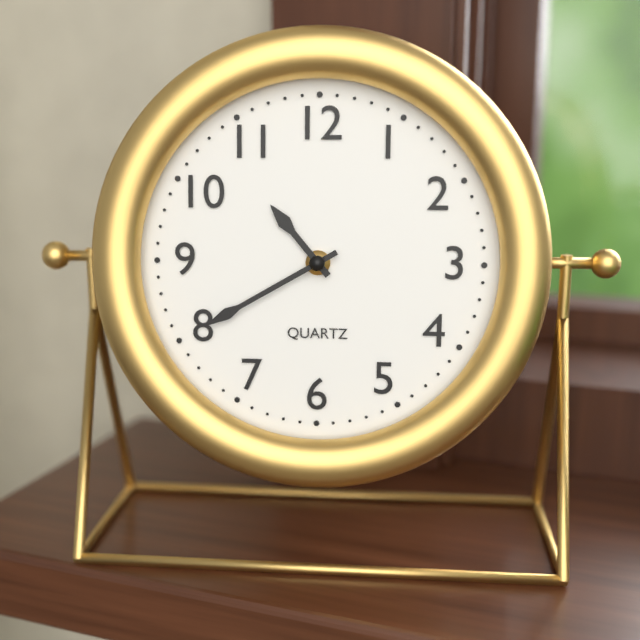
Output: {"hour": 10, "minute": 40}
